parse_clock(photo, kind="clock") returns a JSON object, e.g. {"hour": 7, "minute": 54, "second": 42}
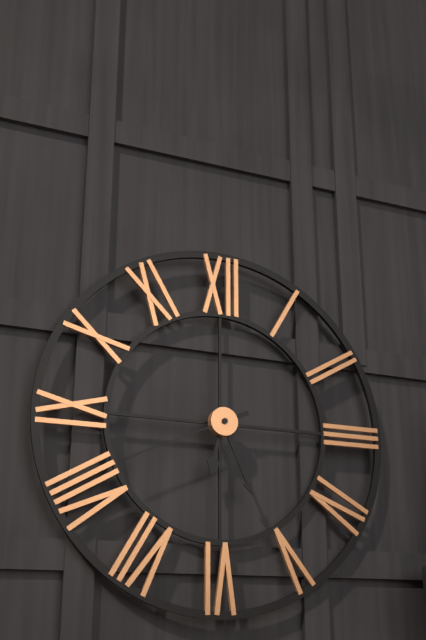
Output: {"hour": 6, "minute": 26, "second": 41}
